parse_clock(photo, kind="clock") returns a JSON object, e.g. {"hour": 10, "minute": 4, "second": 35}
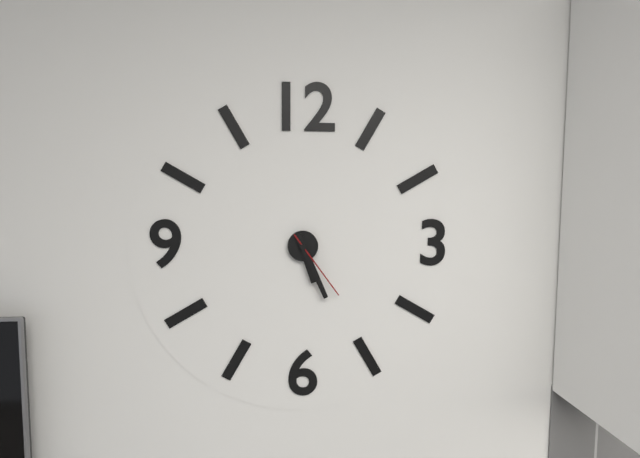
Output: {"hour": 5, "minute": 26, "second": 24}
